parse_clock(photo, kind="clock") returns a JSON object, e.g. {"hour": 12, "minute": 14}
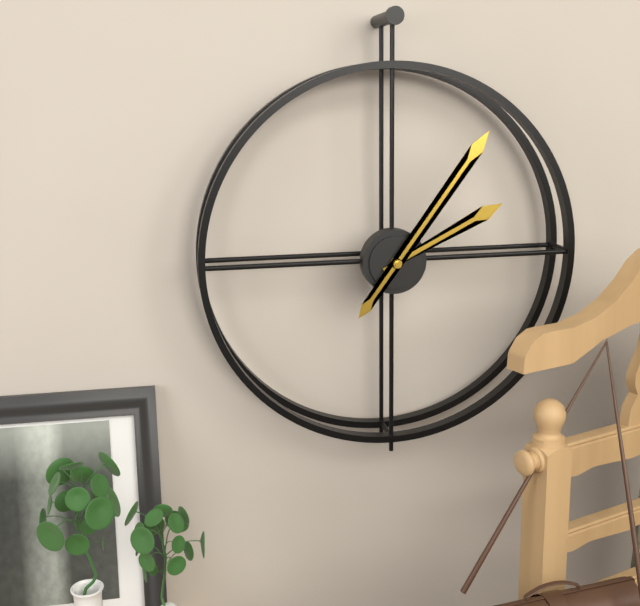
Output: {"hour": 2, "minute": 6}
